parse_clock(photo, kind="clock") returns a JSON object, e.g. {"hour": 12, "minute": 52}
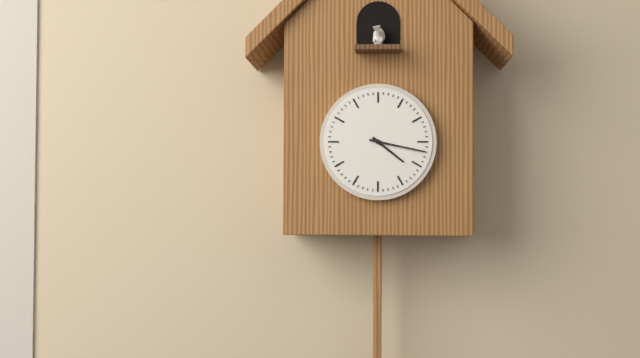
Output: {"hour": 4, "minute": 17}
